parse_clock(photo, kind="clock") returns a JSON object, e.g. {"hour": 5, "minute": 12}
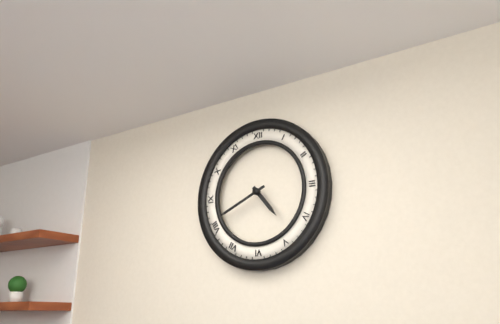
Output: {"hour": 4, "minute": 41}
